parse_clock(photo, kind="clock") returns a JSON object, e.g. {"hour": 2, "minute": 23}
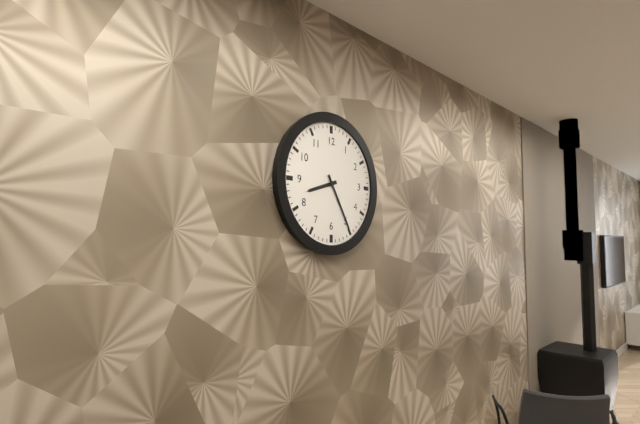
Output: {"hour": 8, "minute": 25}
